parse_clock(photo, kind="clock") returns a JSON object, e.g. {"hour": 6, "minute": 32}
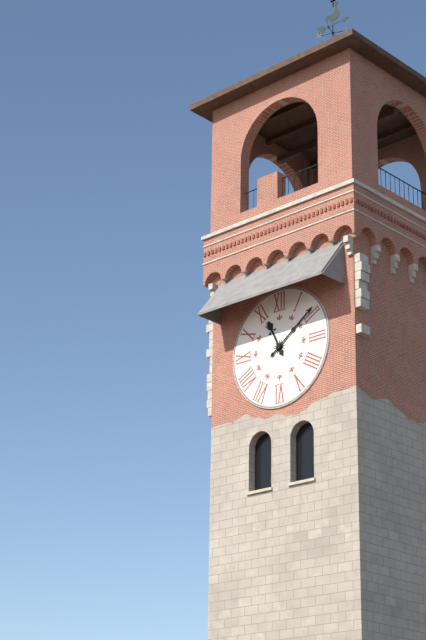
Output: {"hour": 11, "minute": 9}
